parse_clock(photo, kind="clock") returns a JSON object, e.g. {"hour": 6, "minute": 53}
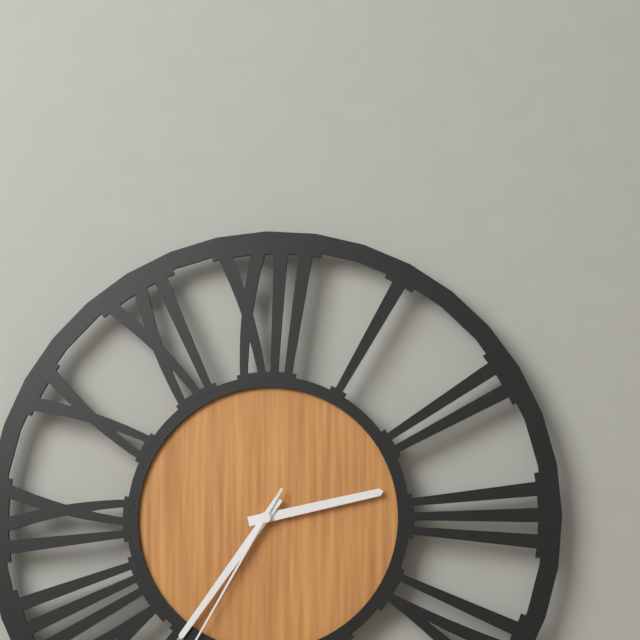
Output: {"hour": 2, "minute": 36}
